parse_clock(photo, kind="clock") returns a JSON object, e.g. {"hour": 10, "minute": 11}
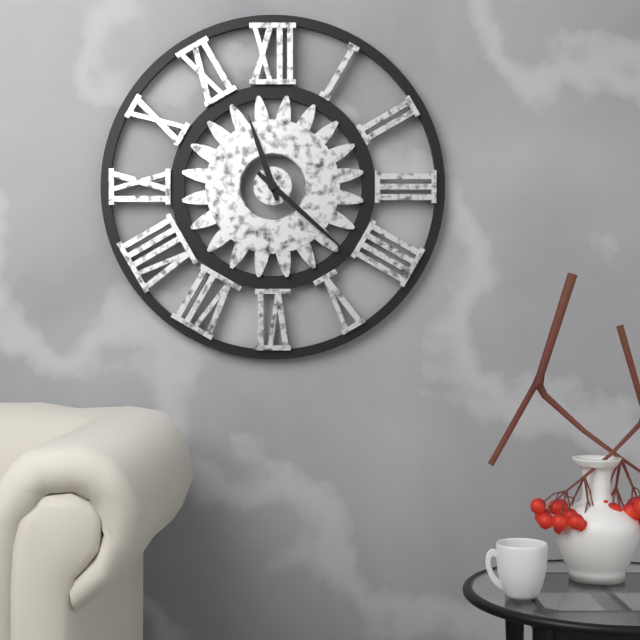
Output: {"hour": 11, "minute": 22}
